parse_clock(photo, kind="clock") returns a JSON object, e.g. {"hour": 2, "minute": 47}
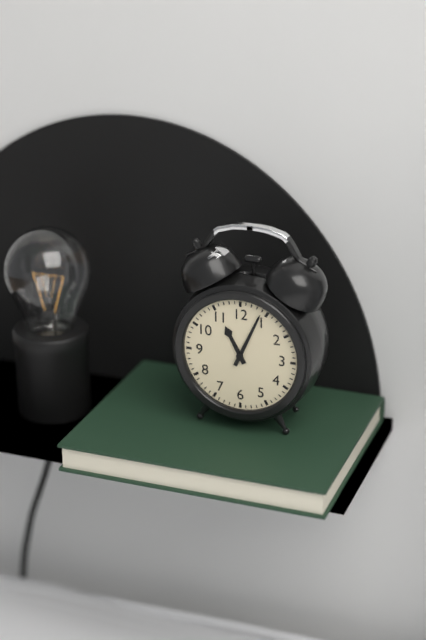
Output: {"hour": 11, "minute": 4}
